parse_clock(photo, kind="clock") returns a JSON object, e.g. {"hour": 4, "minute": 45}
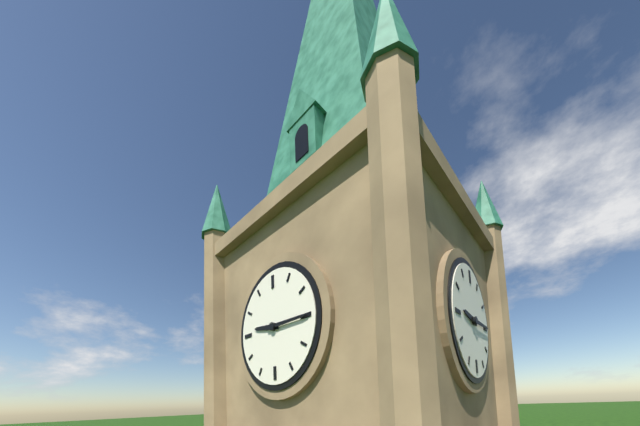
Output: {"hour": 9, "minute": 15}
